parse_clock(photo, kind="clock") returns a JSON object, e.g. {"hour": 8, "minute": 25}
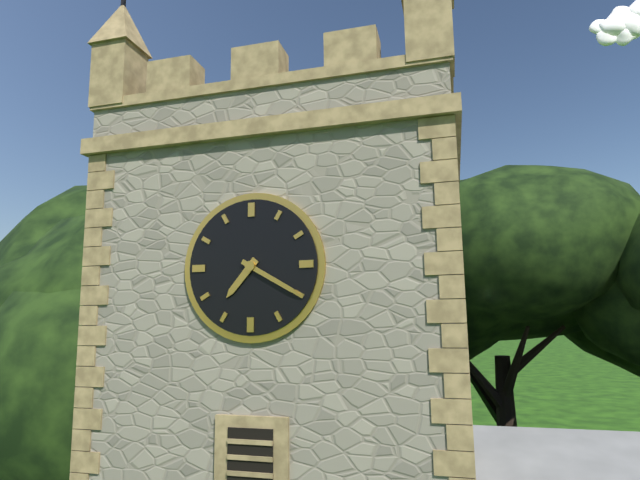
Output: {"hour": 7, "minute": 20}
